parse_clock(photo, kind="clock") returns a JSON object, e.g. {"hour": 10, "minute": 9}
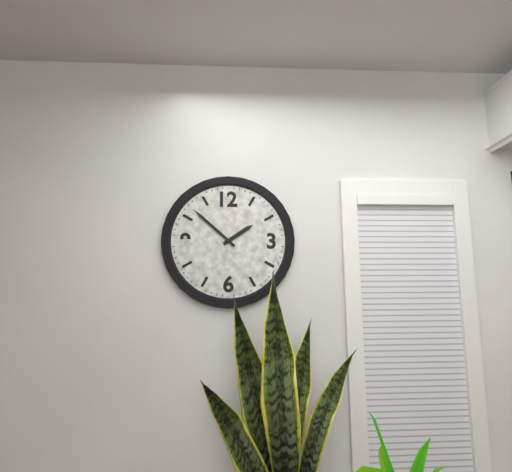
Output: {"hour": 1, "minute": 52}
